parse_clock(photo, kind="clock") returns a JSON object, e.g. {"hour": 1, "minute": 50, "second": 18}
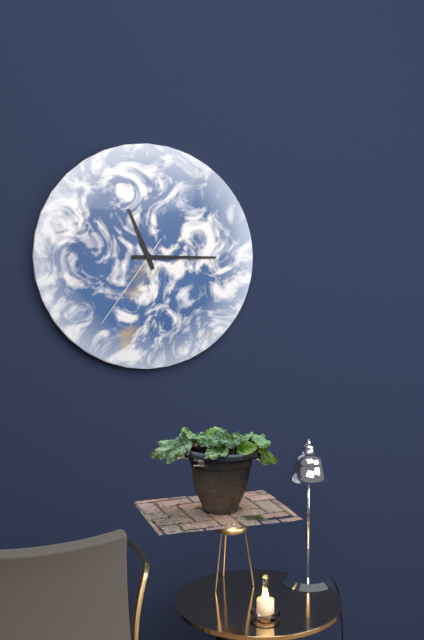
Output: {"hour": 11, "minute": 15, "second": 36}
